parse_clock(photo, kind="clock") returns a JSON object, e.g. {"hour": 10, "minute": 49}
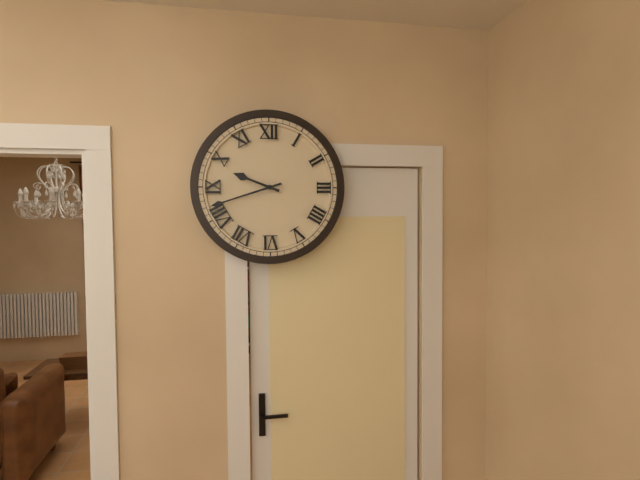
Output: {"hour": 9, "minute": 42}
